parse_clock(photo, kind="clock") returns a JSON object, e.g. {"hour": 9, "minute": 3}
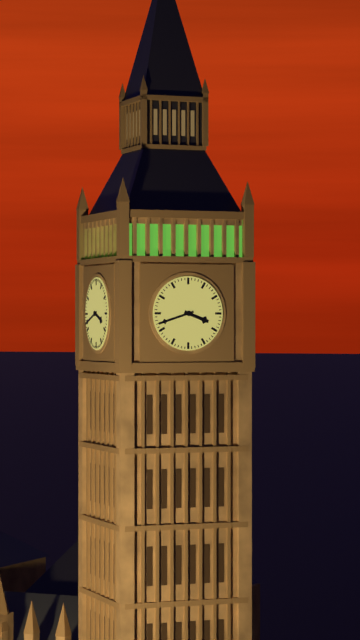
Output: {"hour": 3, "minute": 42}
